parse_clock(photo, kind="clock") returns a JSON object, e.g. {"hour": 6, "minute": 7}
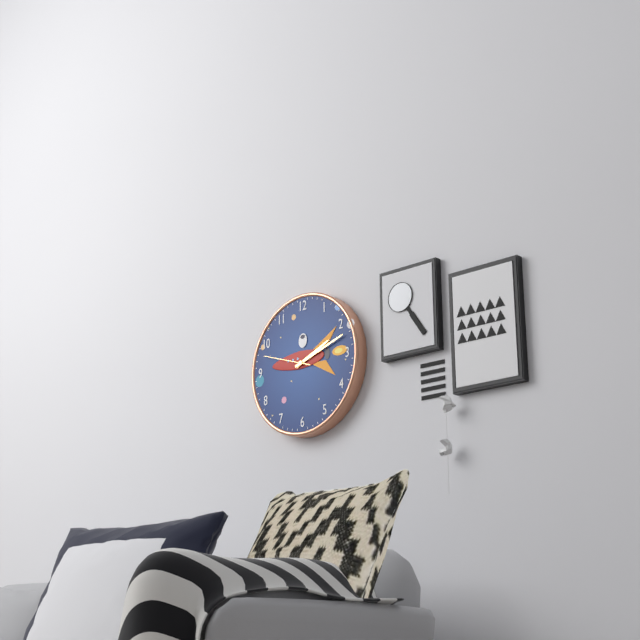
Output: {"hour": 2, "minute": 12}
